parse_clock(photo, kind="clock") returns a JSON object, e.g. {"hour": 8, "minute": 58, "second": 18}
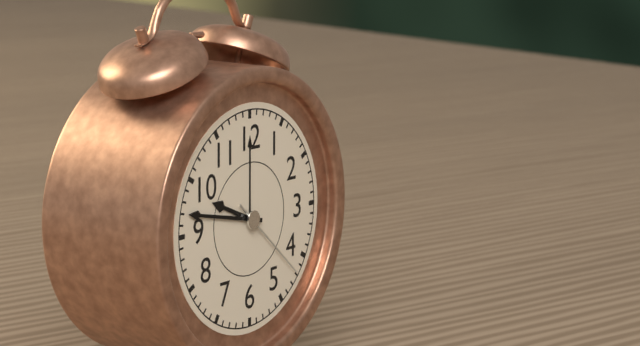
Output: {"hour": 9, "minute": 47, "second": 22}
